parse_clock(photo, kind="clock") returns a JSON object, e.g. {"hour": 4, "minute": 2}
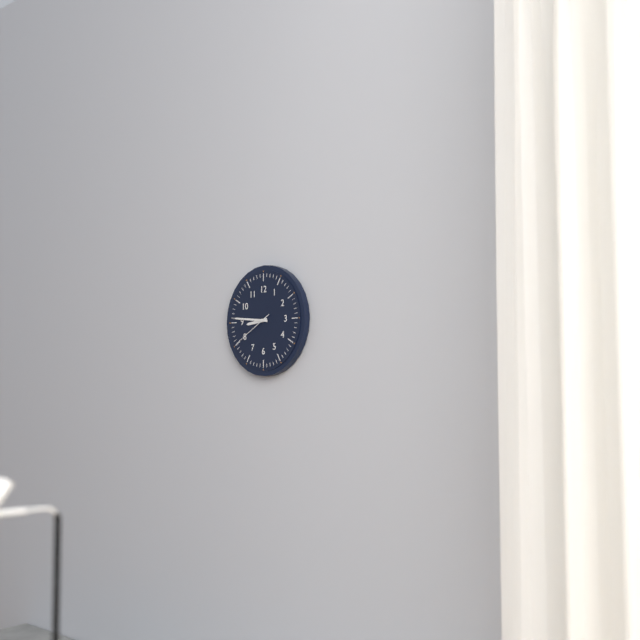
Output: {"hour": 8, "minute": 46}
